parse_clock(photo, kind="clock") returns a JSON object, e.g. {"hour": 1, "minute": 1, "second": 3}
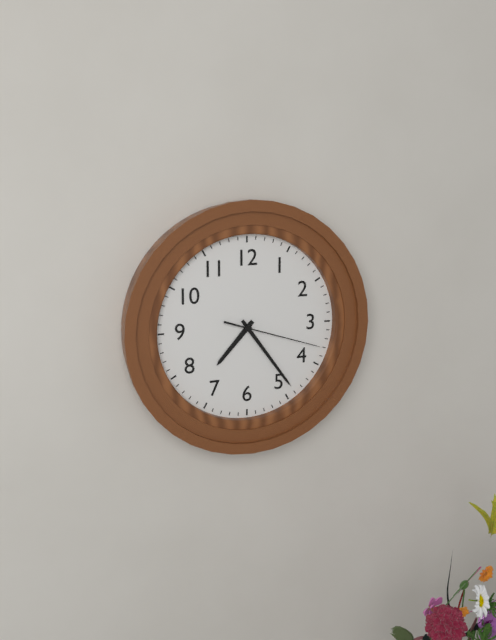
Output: {"hour": 7, "minute": 24, "second": 18}
